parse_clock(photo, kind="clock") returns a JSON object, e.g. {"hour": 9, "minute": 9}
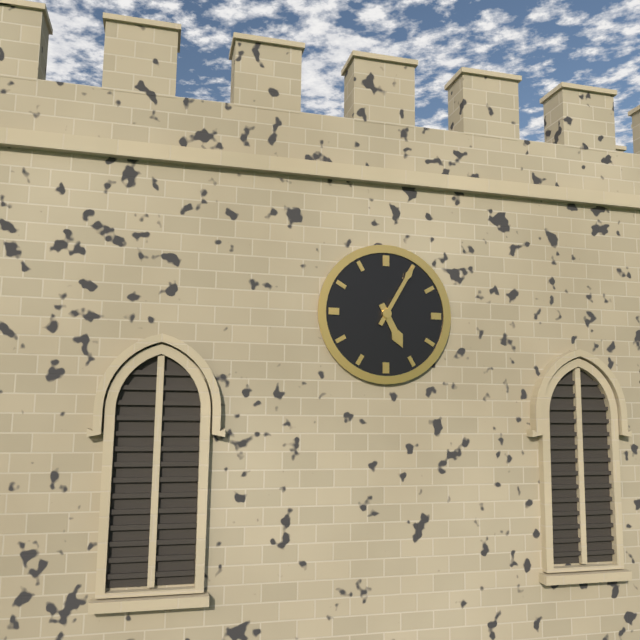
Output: {"hour": 5, "minute": 5}
